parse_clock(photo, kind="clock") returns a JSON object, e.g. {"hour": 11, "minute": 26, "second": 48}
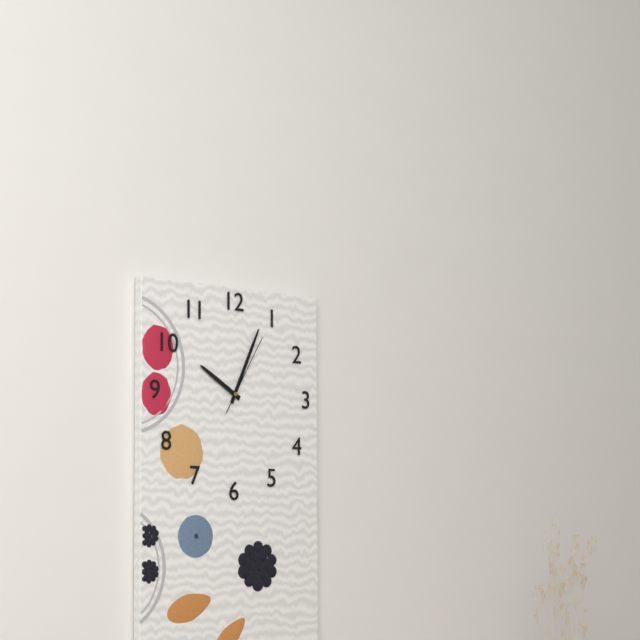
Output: {"hour": 10, "minute": 4, "second": 5}
